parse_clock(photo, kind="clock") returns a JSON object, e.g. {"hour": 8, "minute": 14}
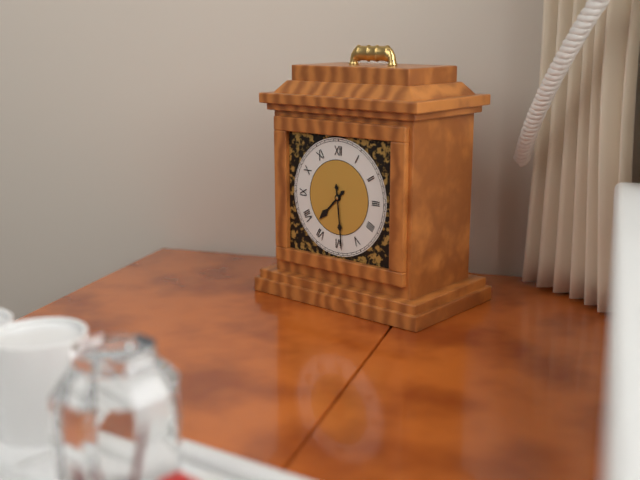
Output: {"hour": 7, "minute": 29}
